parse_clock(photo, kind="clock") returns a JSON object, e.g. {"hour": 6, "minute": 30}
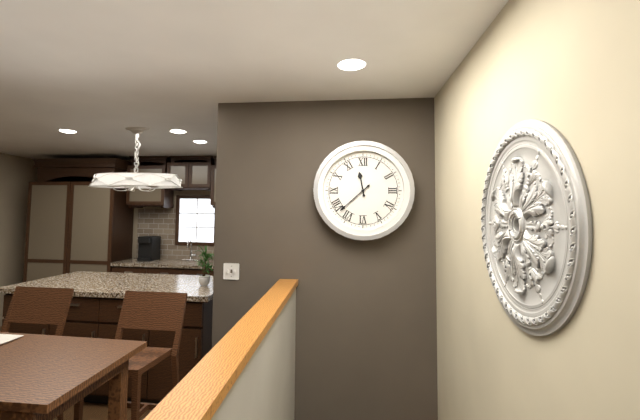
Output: {"hour": 11, "minute": 38}
